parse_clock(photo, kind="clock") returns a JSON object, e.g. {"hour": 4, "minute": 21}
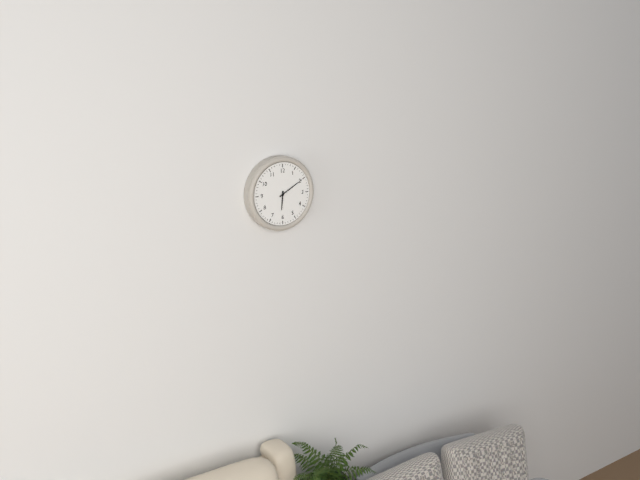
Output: {"hour": 6, "minute": 10}
